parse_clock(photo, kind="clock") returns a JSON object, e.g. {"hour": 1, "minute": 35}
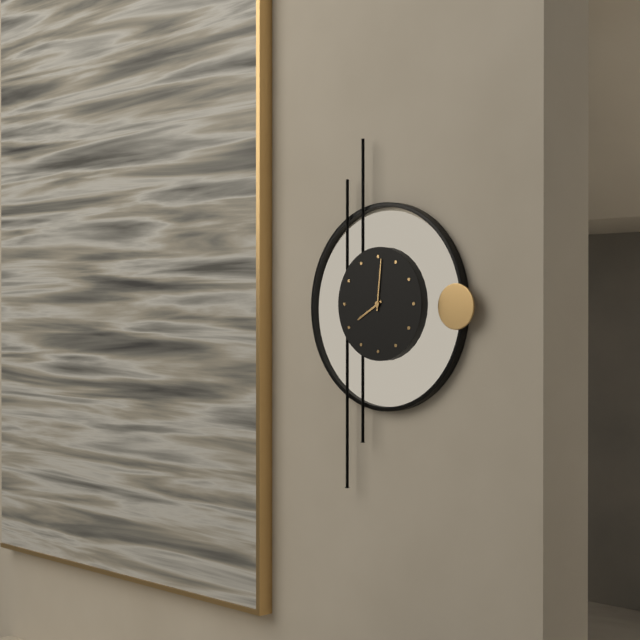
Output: {"hour": 8, "minute": 1}
